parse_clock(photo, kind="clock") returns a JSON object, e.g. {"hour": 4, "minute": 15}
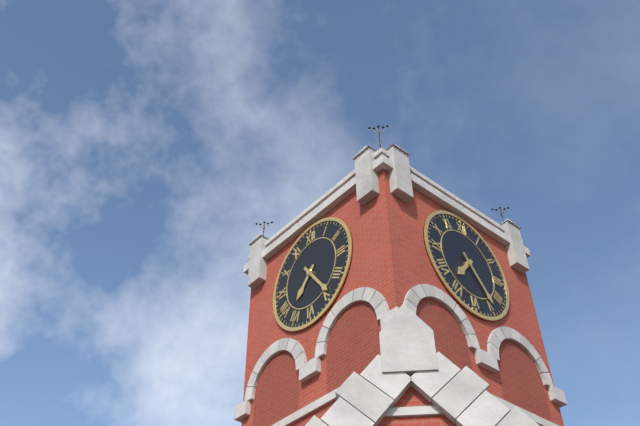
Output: {"hour": 7, "minute": 24}
